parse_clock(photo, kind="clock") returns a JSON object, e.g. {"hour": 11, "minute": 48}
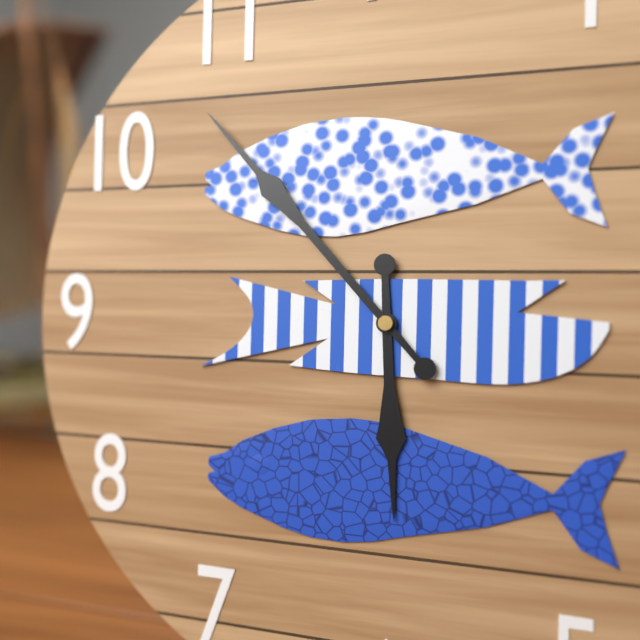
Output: {"hour": 5, "minute": 53}
